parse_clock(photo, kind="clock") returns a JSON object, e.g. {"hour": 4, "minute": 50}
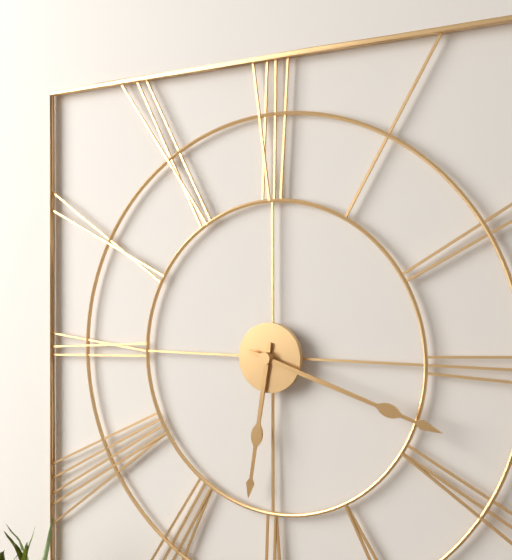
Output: {"hour": 6, "minute": 18}
